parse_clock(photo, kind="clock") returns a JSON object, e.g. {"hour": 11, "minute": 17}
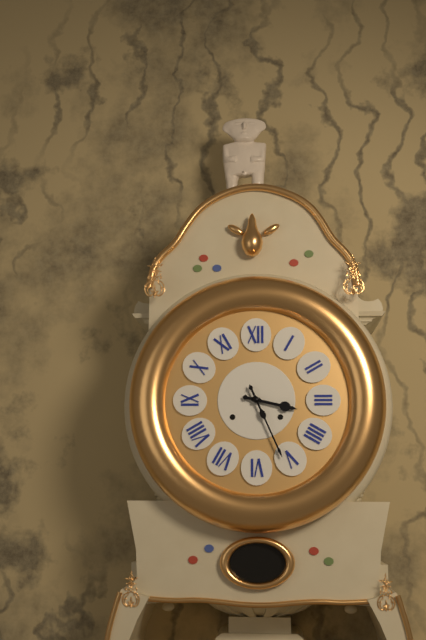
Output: {"hour": 3, "minute": 26}
